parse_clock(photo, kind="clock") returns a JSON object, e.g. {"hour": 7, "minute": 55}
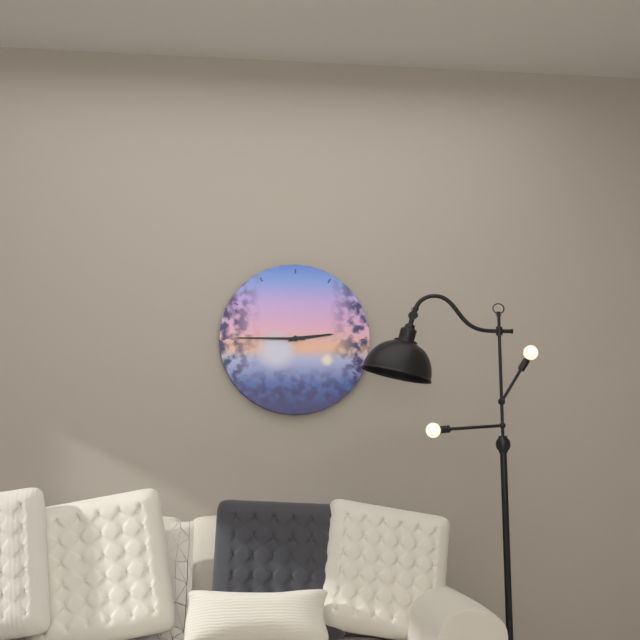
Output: {"hour": 2, "minute": 45}
